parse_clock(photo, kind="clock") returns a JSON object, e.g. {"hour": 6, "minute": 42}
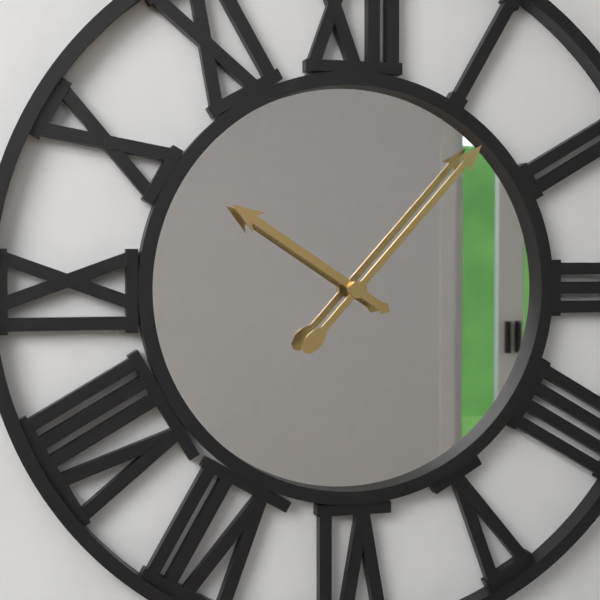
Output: {"hour": 10, "minute": 7}
